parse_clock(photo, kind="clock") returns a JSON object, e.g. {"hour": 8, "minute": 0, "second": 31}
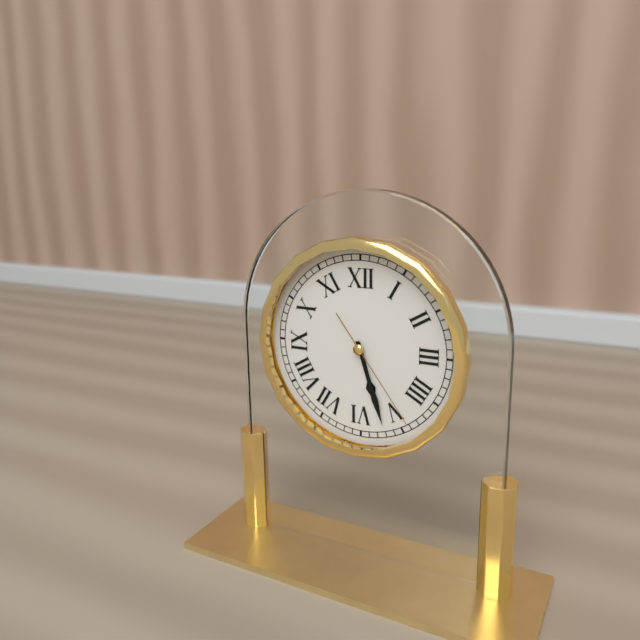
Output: {"hour": 5, "minute": 27, "second": 24}
